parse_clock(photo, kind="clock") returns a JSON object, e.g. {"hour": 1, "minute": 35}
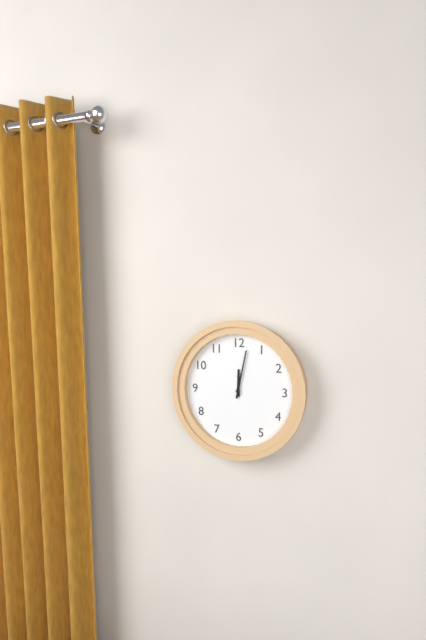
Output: {"hour": 12, "minute": 2}
